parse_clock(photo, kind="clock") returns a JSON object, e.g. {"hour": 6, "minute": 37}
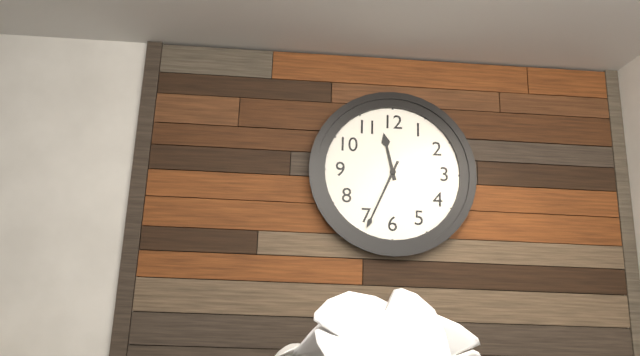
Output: {"hour": 11, "minute": 34}
